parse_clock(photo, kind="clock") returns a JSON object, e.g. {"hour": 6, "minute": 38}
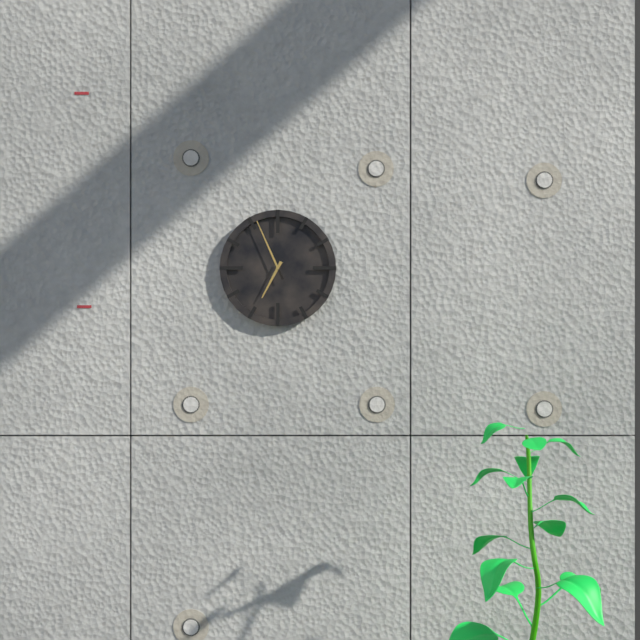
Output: {"hour": 6, "minute": 56}
